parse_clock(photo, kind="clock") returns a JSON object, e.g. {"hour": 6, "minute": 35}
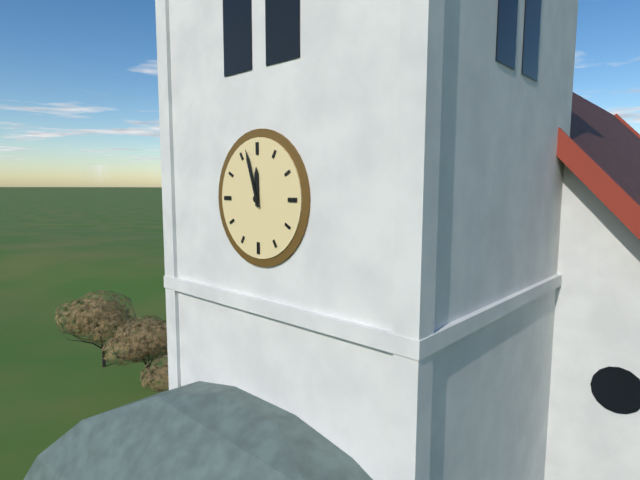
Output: {"hour": 11, "minute": 57}
